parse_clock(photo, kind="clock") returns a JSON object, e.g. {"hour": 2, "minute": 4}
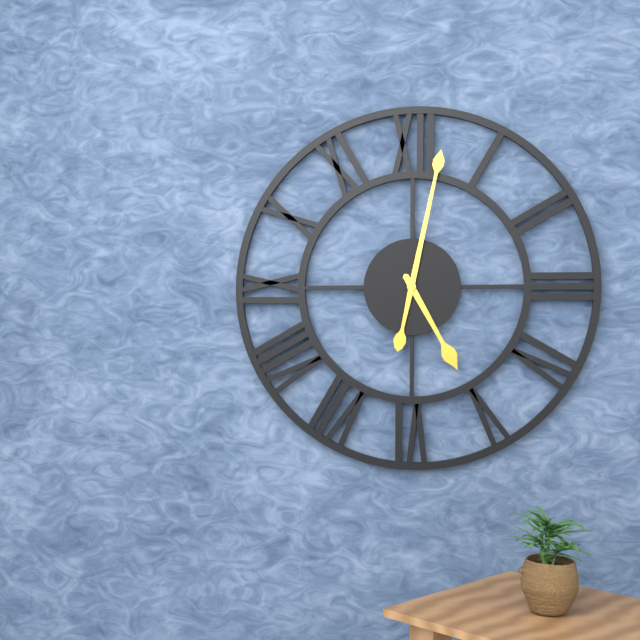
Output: {"hour": 5, "minute": 2}
